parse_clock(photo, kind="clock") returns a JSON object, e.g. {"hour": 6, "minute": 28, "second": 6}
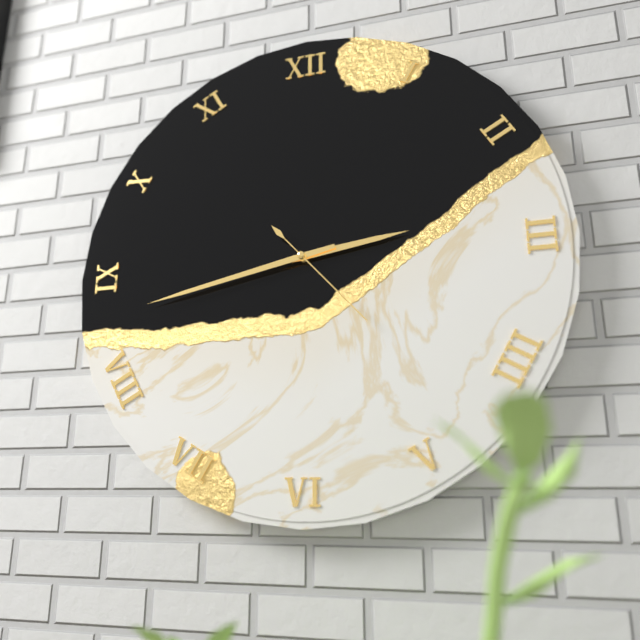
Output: {"hour": 2, "minute": 43, "second": 23}
